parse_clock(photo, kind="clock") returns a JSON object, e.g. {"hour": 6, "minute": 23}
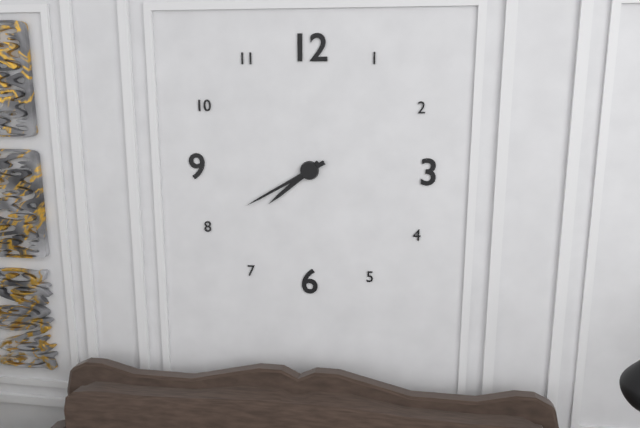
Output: {"hour": 7, "minute": 40}
